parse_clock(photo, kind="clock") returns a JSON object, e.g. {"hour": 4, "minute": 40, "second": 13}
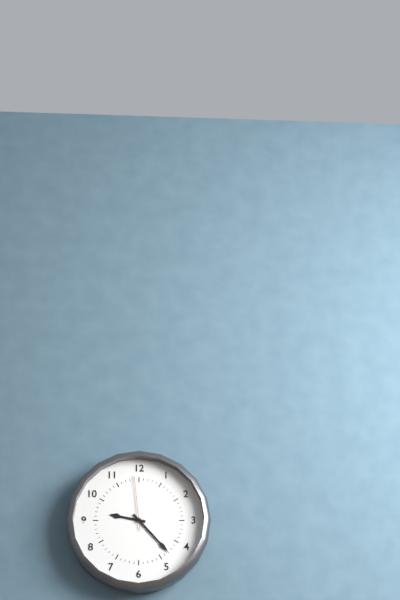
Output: {"hour": 9, "minute": 23, "second": 59}
